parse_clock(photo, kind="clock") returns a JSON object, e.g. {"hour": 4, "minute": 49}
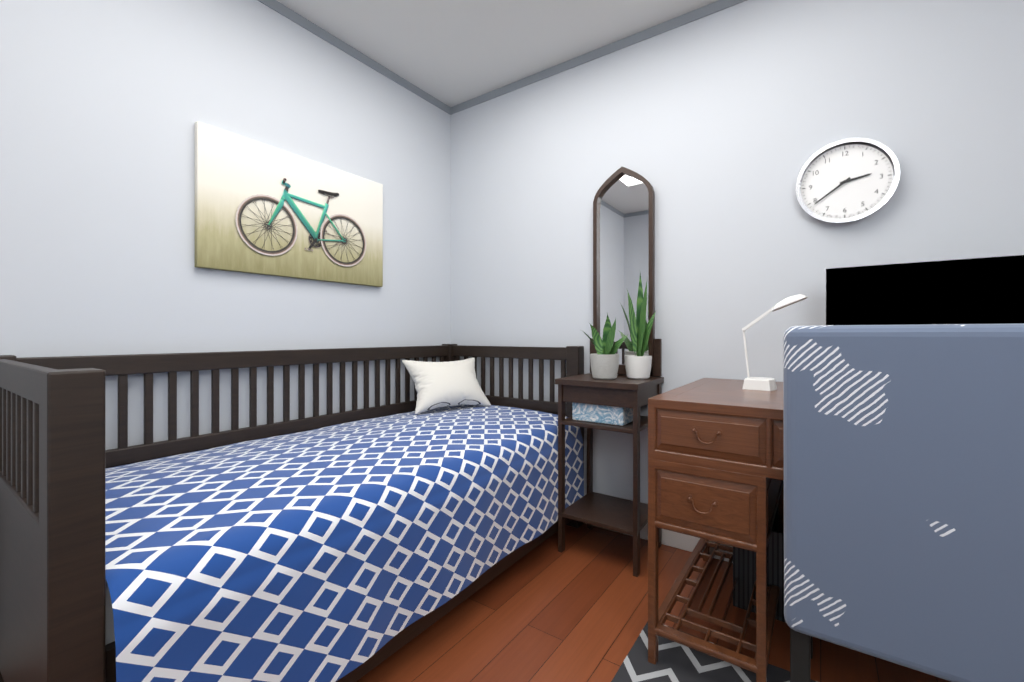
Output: {"hour": 2, "minute": 39}
